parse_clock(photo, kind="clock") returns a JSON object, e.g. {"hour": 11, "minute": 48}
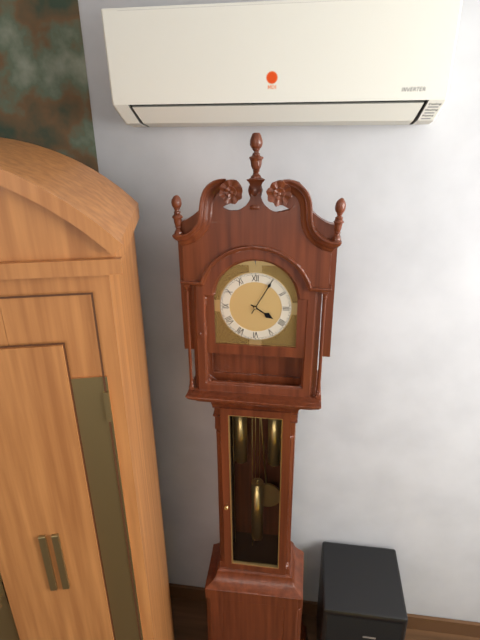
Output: {"hour": 4, "minute": 5}
